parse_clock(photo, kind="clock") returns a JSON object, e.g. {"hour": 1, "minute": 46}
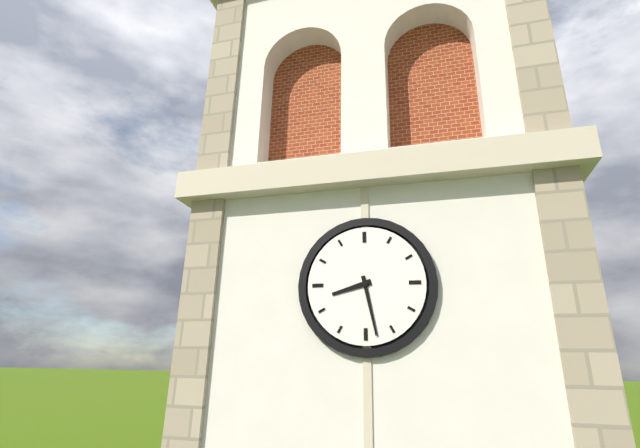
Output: {"hour": 8, "minute": 28}
